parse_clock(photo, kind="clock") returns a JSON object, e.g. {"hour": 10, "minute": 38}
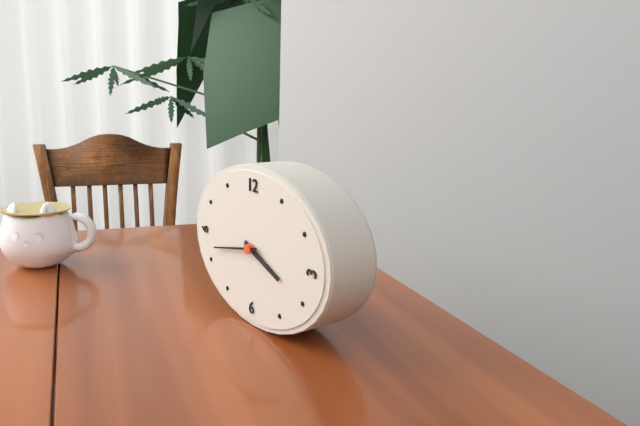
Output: {"hour": 3, "minute": 43}
